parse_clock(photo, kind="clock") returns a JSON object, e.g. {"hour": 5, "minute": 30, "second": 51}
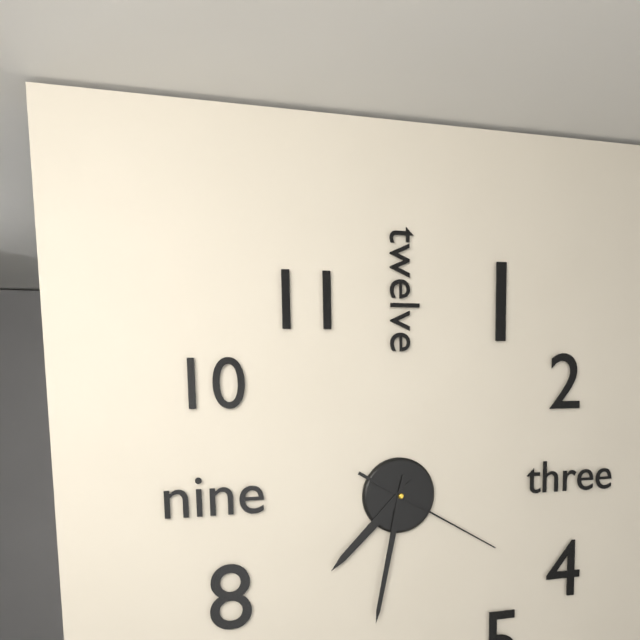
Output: {"hour": 7, "minute": 32, "second": 20}
